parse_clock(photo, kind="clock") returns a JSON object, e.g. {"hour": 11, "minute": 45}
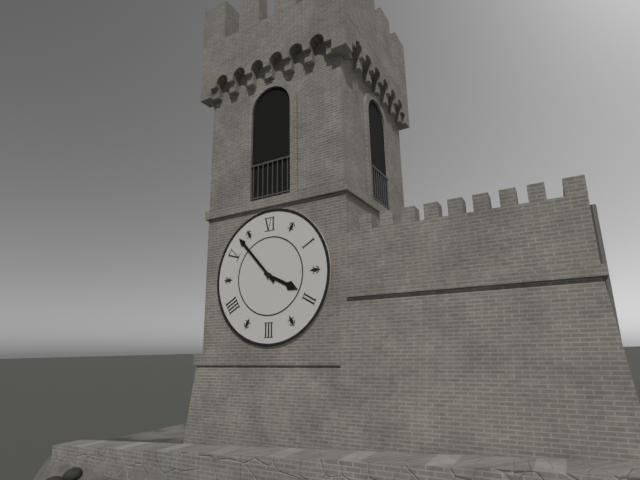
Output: {"hour": 3, "minute": 53}
